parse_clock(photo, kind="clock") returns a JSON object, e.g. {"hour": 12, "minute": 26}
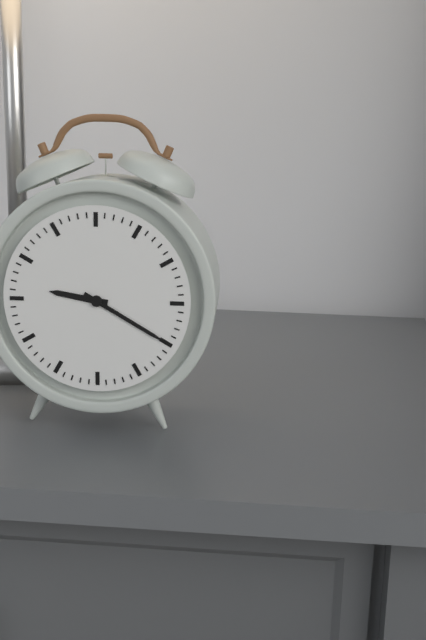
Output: {"hour": 9, "minute": 20}
